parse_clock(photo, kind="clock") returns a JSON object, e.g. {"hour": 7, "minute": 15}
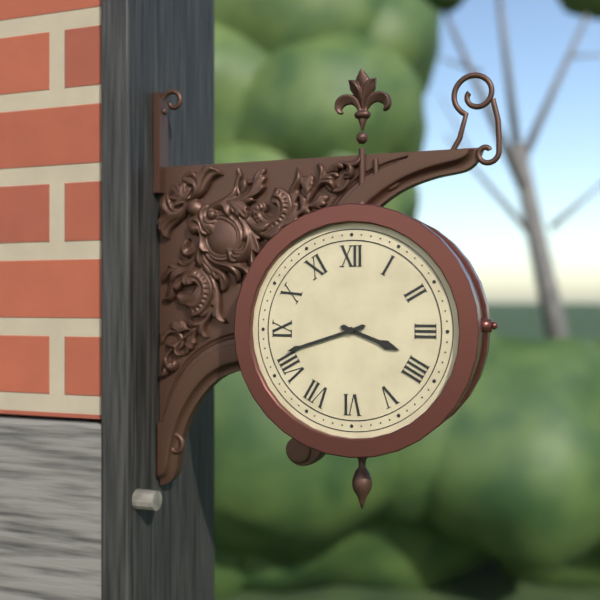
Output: {"hour": 3, "minute": 42}
